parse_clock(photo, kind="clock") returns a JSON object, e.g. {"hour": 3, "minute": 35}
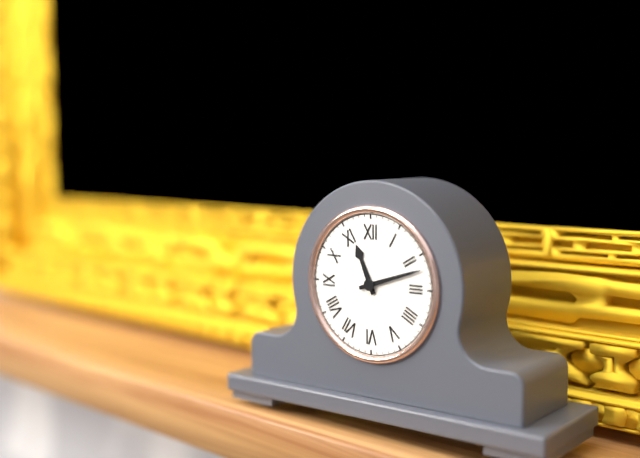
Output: {"hour": 11, "minute": 12}
